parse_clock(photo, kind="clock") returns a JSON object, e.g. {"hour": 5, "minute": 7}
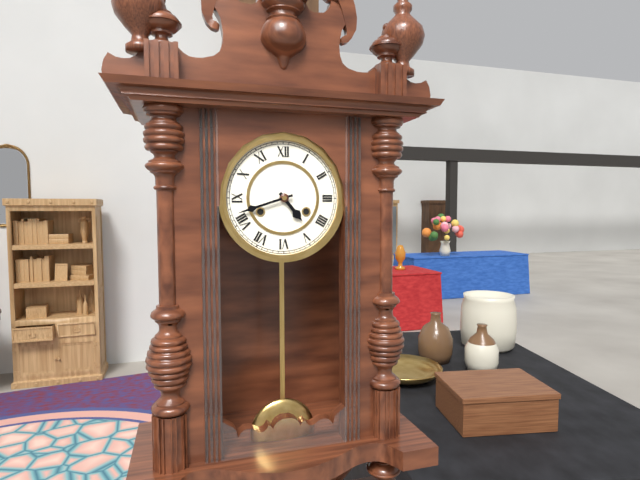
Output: {"hour": 4, "minute": 42}
